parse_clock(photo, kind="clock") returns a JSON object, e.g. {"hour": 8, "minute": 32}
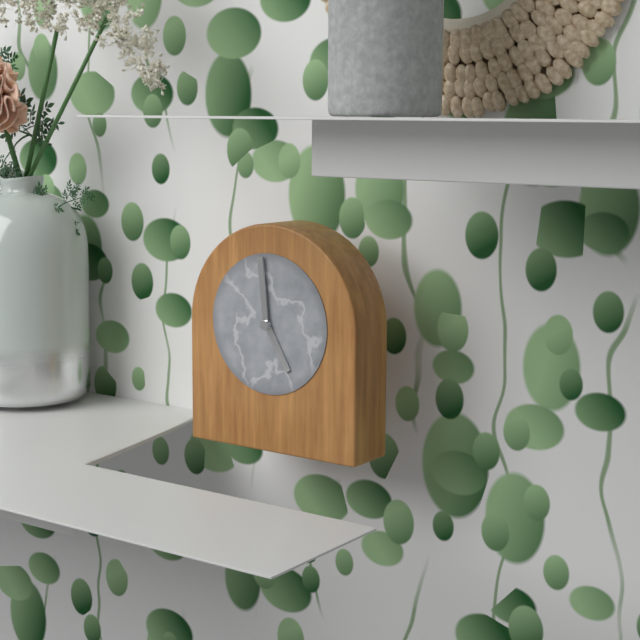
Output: {"hour": 4, "minute": 59}
